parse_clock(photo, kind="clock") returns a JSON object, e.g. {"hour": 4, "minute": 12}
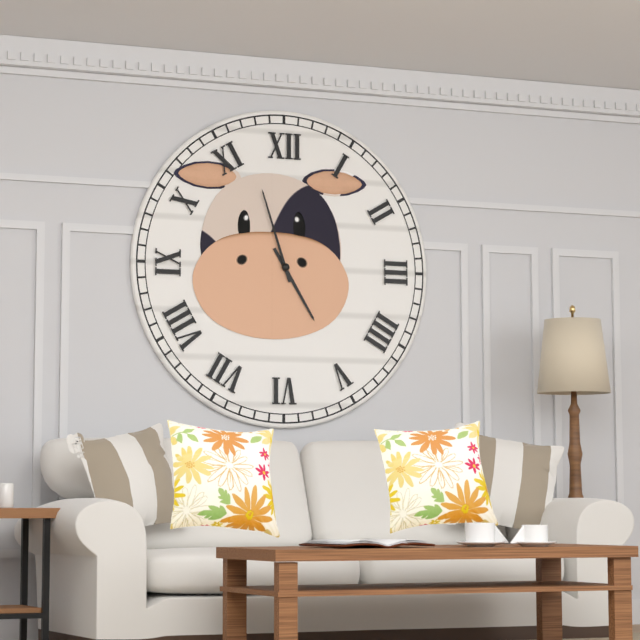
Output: {"hour": 4, "minute": 57}
